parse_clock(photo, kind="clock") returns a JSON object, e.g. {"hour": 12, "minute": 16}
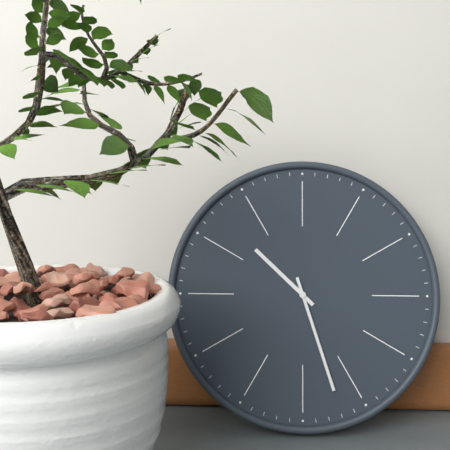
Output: {"hour": 10, "minute": 27}
